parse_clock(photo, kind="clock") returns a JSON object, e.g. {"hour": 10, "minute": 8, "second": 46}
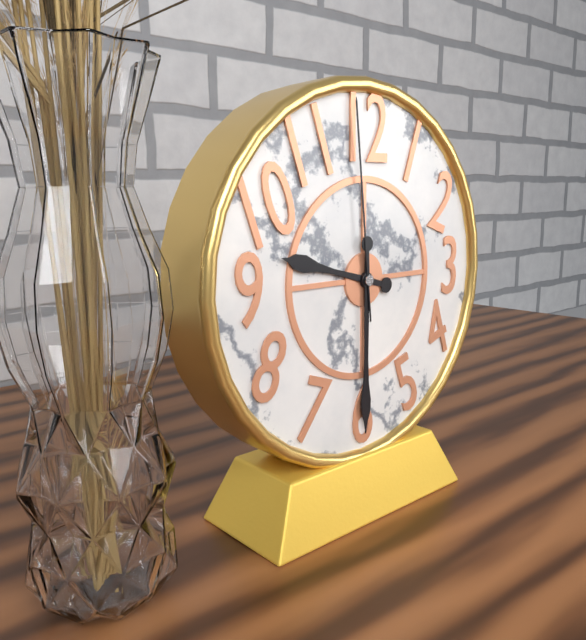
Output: {"hour": 9, "minute": 30, "second": 59}
